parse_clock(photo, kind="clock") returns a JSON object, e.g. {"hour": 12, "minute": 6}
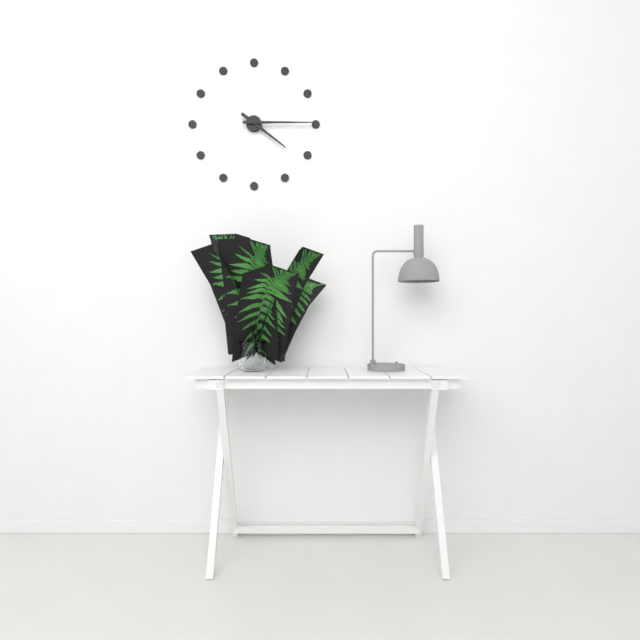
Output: {"hour": 4, "minute": 15}
